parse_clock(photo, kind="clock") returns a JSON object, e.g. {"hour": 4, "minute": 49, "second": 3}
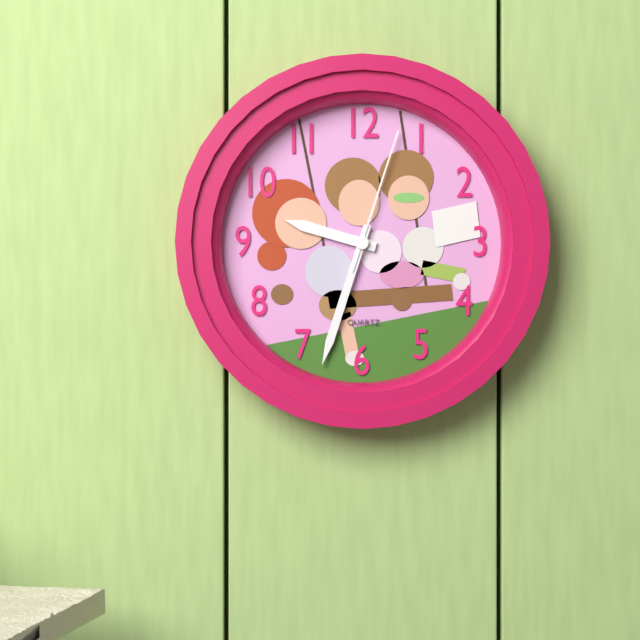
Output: {"hour": 9, "minute": 33, "second": 3}
